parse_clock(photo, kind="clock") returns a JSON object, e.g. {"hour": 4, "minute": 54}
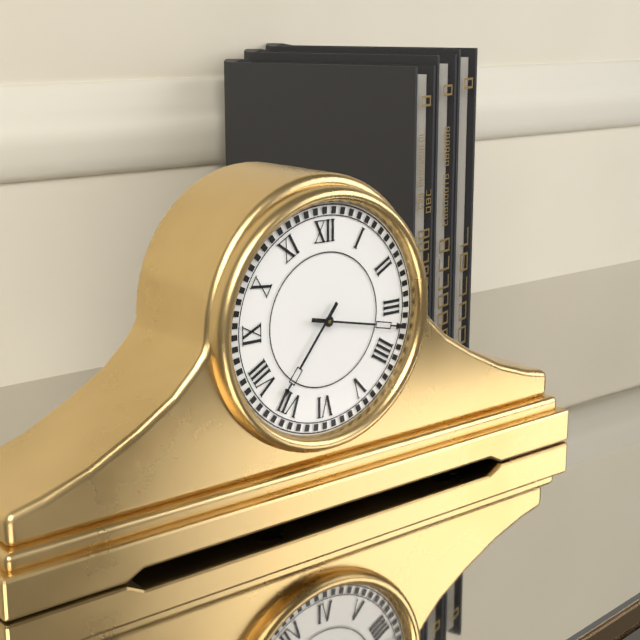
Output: {"hour": 7, "minute": 17}
